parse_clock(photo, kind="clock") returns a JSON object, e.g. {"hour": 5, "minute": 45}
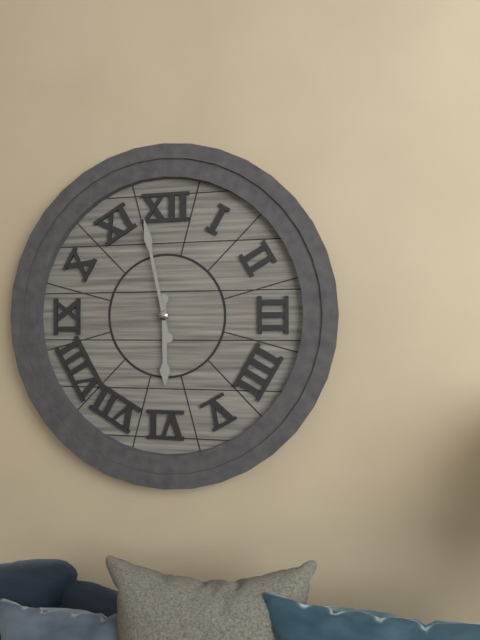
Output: {"hour": 5, "minute": 58}
